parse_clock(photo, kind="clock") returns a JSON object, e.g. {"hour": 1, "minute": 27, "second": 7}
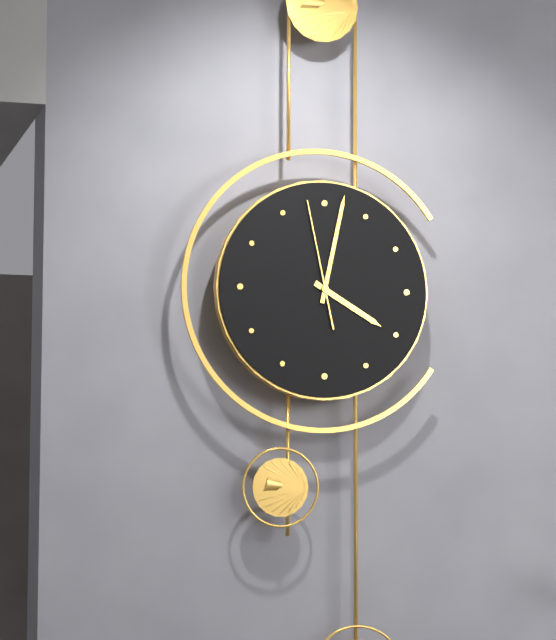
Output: {"hour": 4, "minute": 2, "second": 58}
